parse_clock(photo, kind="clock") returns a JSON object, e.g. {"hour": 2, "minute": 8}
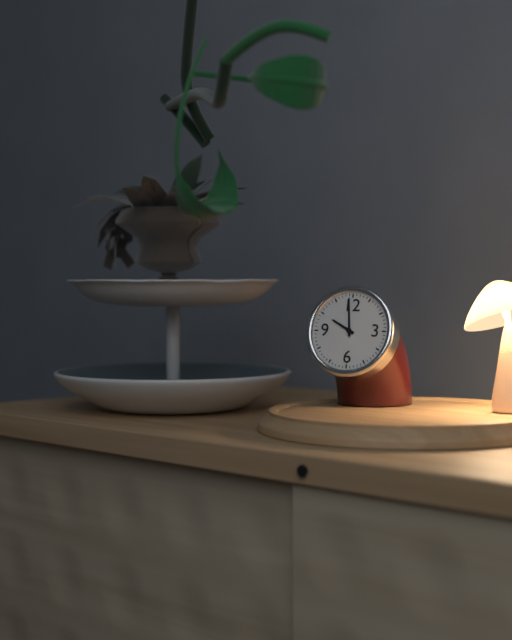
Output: {"hour": 9, "minute": 59}
